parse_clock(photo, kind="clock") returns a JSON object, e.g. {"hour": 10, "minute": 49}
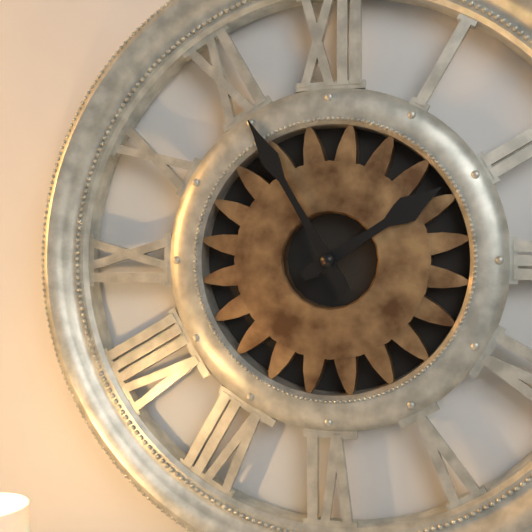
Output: {"hour": 1, "minute": 55}
